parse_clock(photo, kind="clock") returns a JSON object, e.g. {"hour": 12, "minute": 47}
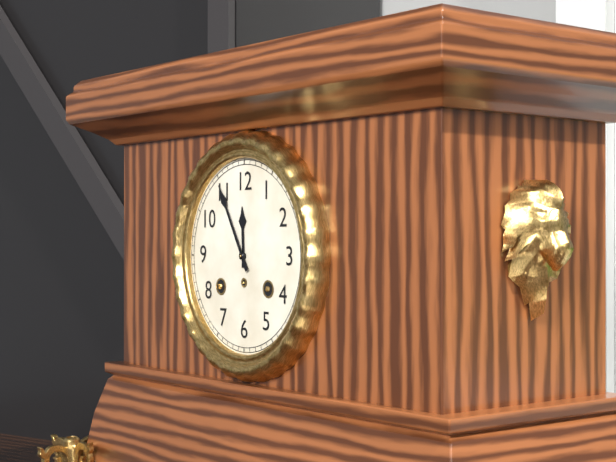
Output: {"hour": 11, "minute": 55}
